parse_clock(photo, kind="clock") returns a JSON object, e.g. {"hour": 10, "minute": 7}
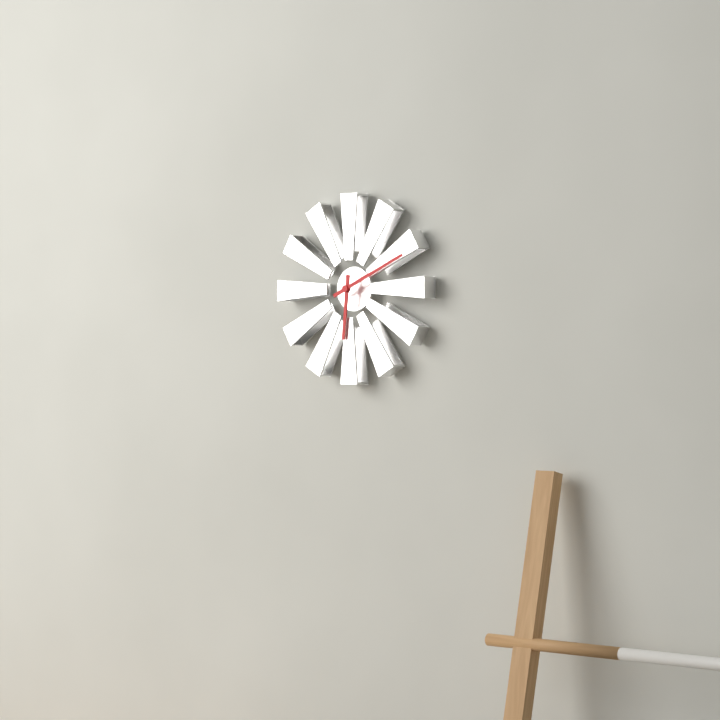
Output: {"hour": 6, "minute": 11}
